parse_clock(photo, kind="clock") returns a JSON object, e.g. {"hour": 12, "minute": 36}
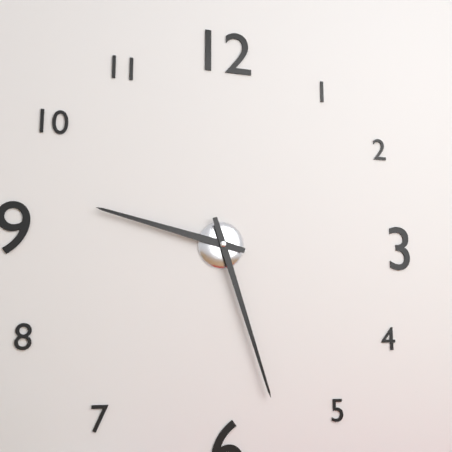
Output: {"hour": 9, "minute": 27}
